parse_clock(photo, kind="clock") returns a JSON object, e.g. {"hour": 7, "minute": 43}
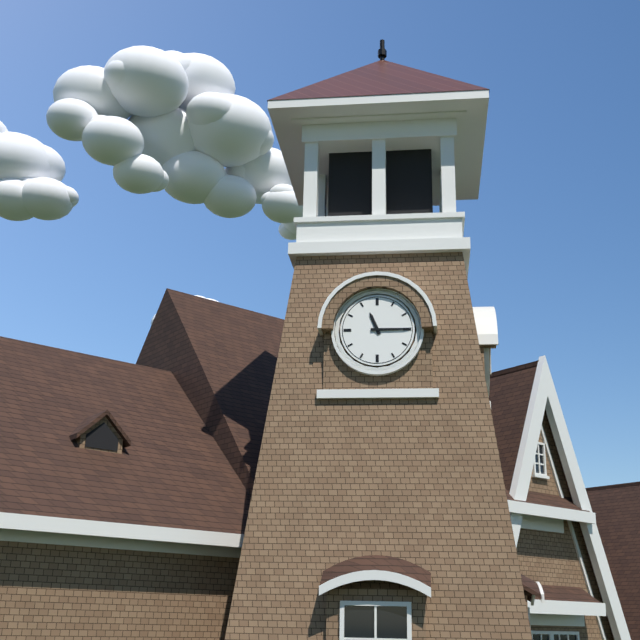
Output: {"hour": 11, "minute": 15}
